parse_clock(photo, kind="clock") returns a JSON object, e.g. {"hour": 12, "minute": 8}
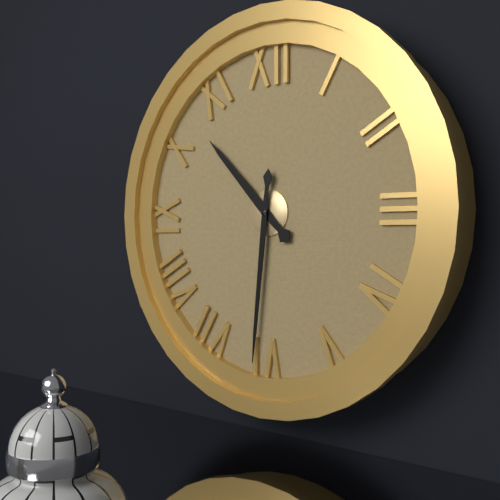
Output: {"hour": 10, "minute": 31}
